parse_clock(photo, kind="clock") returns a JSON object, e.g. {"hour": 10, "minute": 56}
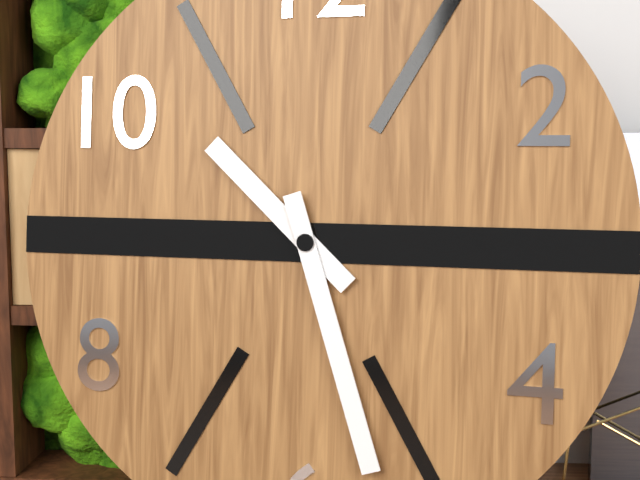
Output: {"hour": 10, "minute": 27}
